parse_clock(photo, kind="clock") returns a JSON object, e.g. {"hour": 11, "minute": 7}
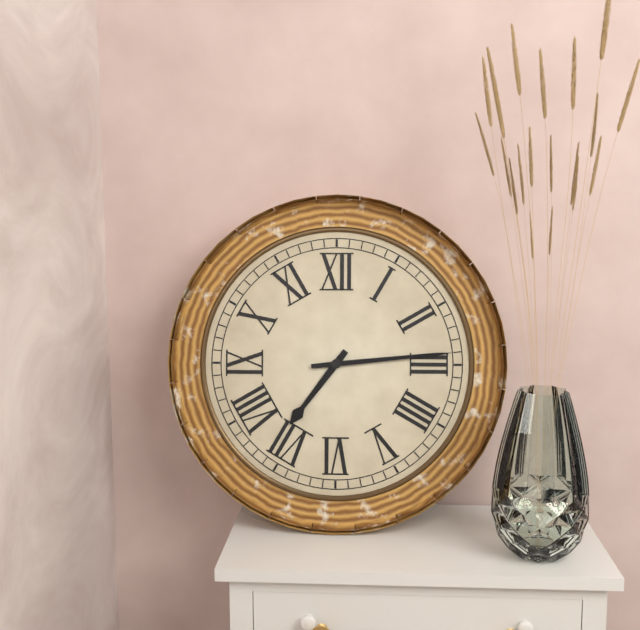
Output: {"hour": 7, "minute": 14}
